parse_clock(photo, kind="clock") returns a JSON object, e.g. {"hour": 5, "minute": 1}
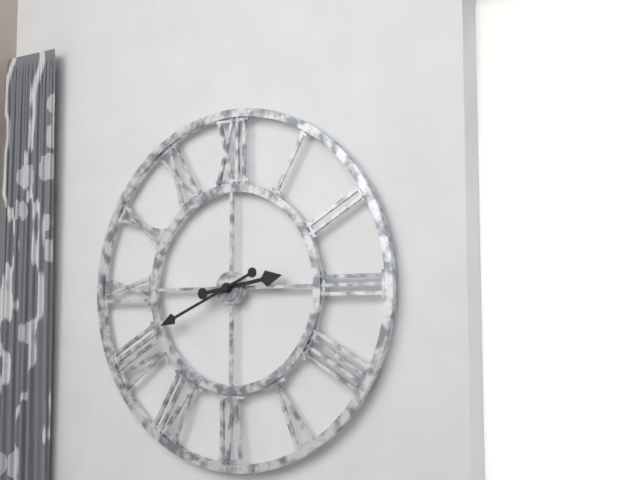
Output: {"hour": 2, "minute": 41}
